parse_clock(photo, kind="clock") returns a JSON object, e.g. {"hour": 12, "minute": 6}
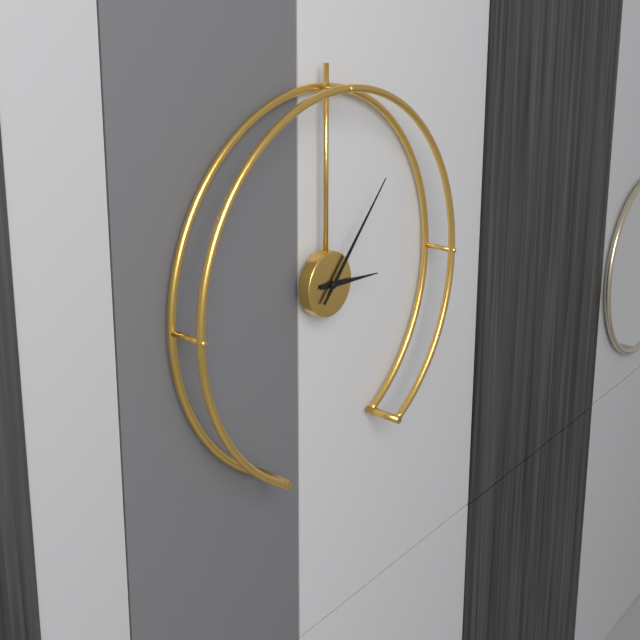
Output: {"hour": 3, "minute": 7}
